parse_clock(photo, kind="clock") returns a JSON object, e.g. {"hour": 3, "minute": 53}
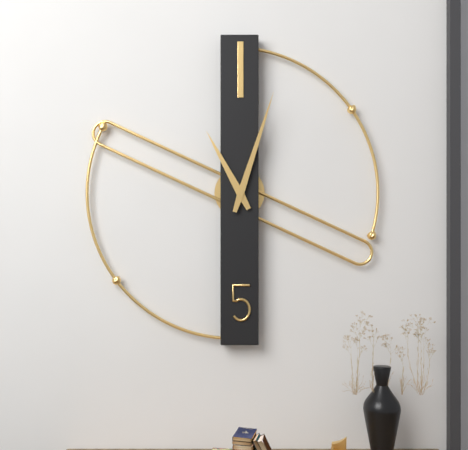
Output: {"hour": 11, "minute": 3}
